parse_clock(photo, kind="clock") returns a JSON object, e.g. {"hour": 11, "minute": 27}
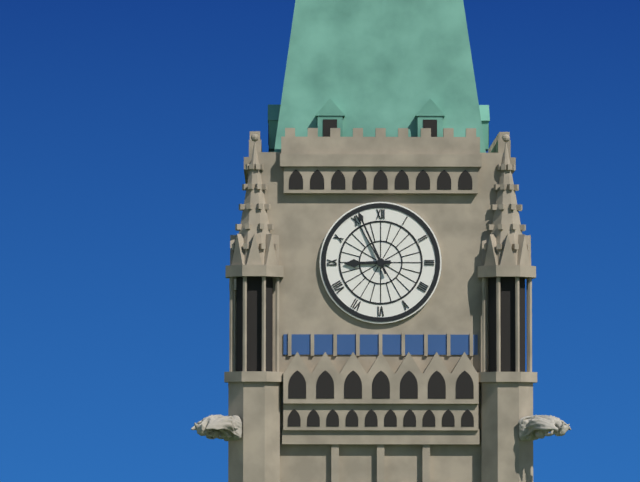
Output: {"hour": 8, "minute": 56}
